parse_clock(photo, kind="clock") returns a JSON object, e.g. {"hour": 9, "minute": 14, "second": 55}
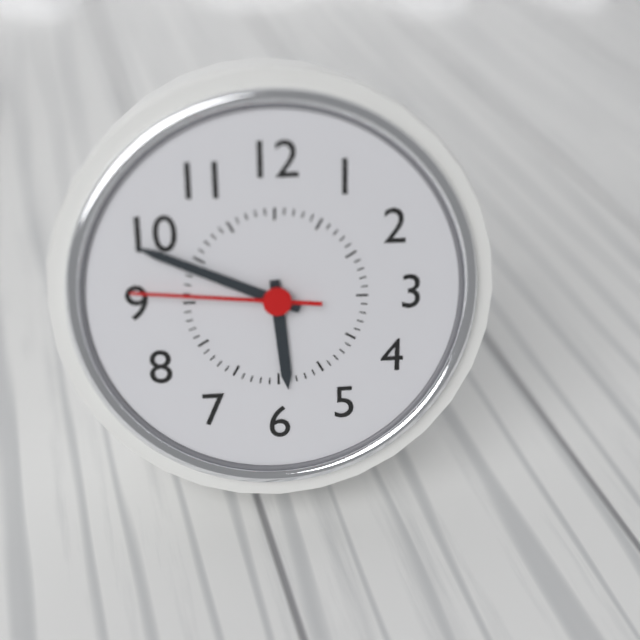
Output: {"hour": 5, "minute": 49, "second": 46}
